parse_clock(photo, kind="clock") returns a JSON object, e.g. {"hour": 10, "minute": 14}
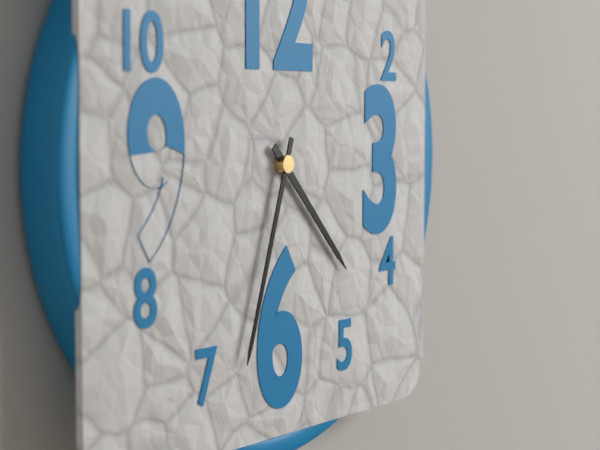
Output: {"hour": 4, "minute": 33}
